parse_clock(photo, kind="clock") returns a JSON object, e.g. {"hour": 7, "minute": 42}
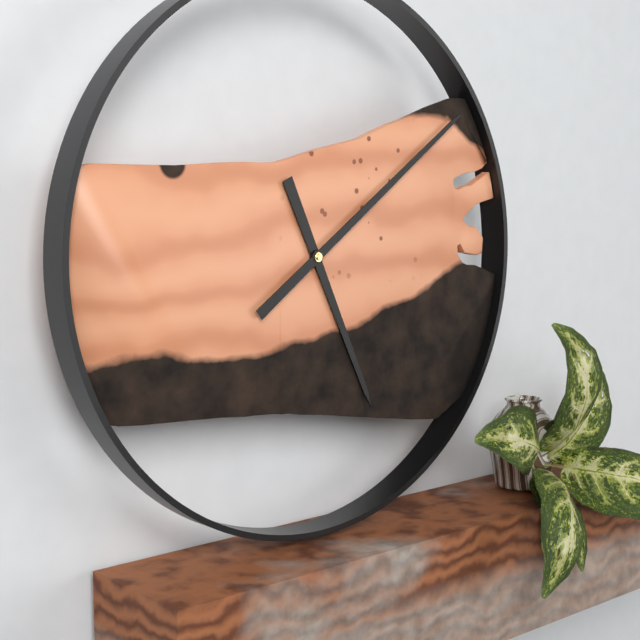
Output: {"hour": 5, "minute": 9}
